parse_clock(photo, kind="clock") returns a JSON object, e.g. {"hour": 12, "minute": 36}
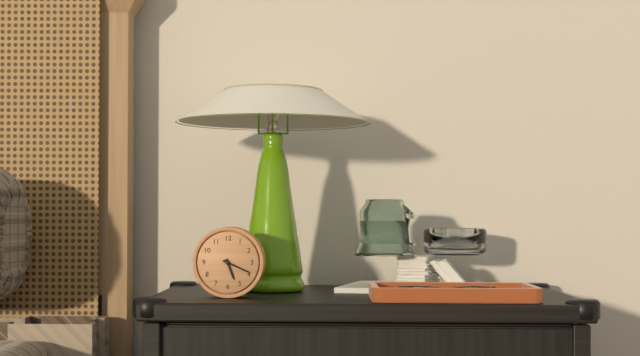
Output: {"hour": 5, "minute": 19}
